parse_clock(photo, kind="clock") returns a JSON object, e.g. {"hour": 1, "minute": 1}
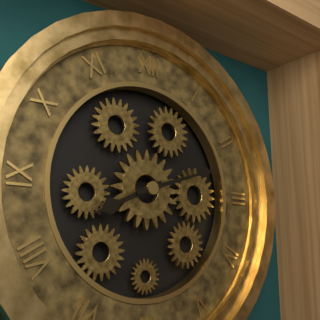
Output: {"hour": 8, "minute": 12}
